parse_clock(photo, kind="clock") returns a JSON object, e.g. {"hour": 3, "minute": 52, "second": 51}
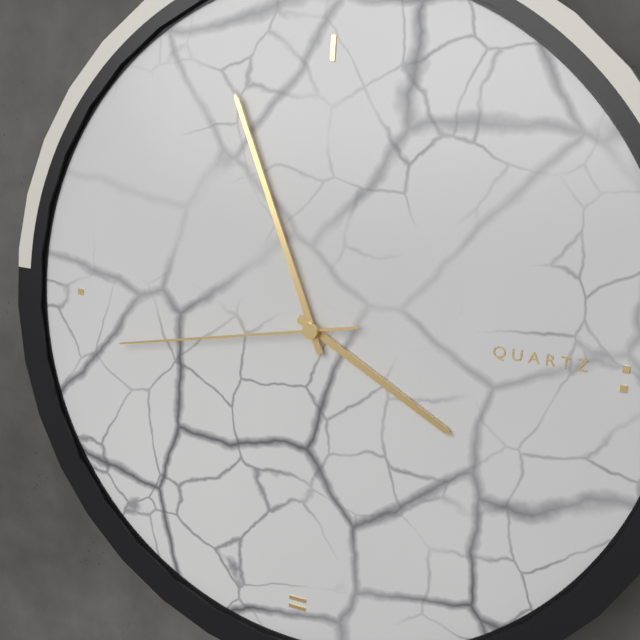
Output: {"hour": 3, "minute": 56, "second": 43}
